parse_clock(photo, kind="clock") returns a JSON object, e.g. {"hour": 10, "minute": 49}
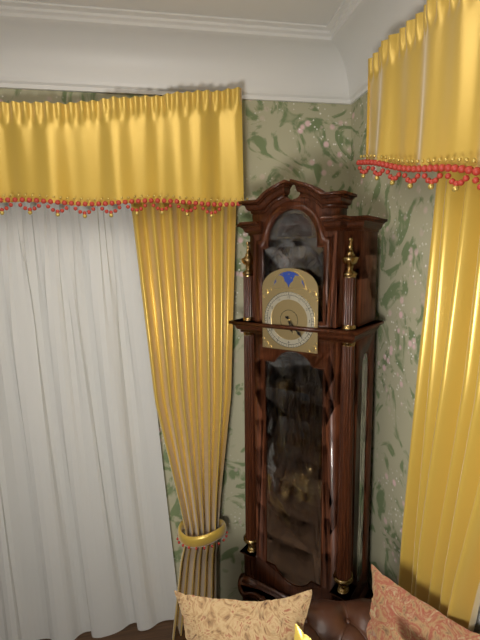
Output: {"hour": 5, "minute": 23}
